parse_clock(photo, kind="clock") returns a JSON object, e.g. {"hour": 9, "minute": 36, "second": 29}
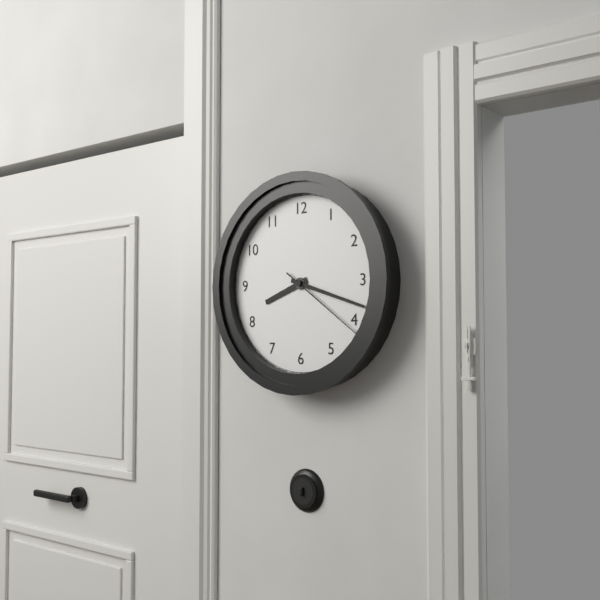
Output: {"hour": 8, "minute": 18, "second": 21}
